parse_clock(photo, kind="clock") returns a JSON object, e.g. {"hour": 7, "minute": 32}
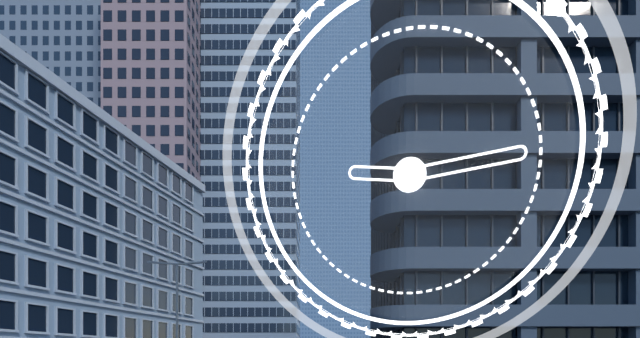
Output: {"hour": 9, "minute": 14}
